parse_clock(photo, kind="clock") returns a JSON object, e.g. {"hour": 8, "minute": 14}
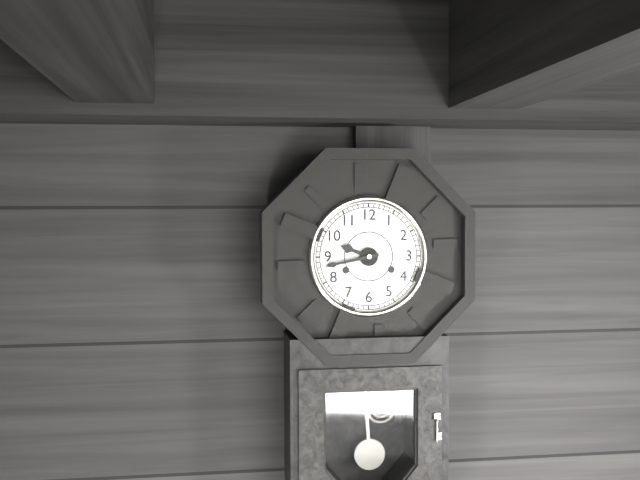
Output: {"hour": 9, "minute": 43}
